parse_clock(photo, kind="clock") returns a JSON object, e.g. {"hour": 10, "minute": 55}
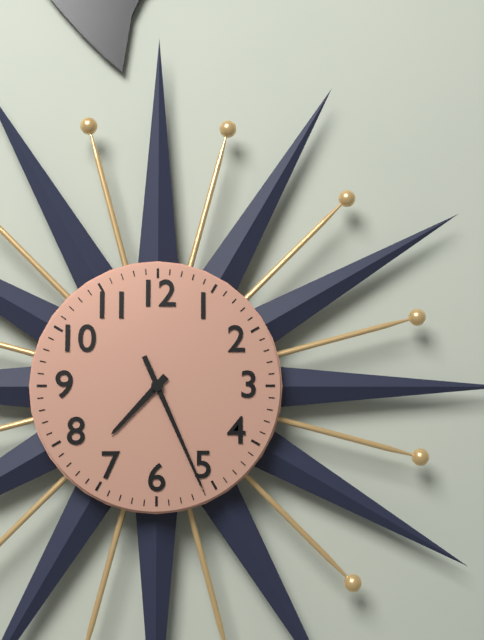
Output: {"hour": 7, "minute": 26}
